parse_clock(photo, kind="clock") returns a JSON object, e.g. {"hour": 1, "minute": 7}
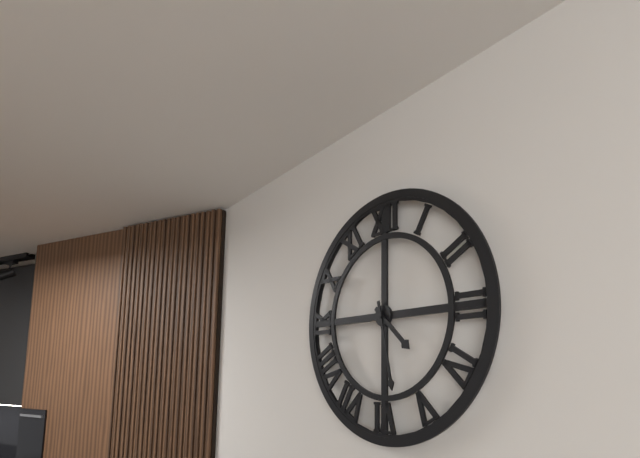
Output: {"hour": 4, "minute": 28}
